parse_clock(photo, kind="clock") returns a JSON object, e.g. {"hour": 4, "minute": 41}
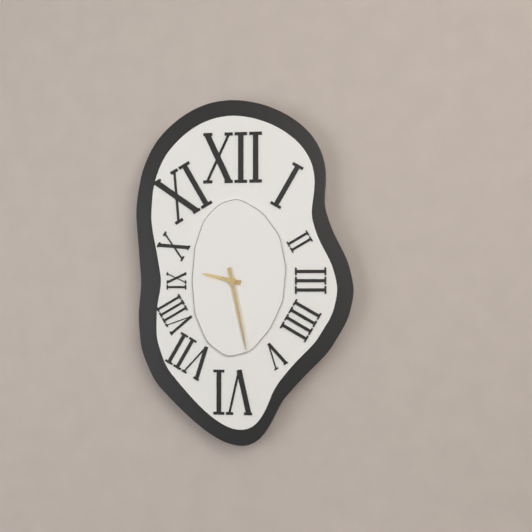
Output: {"hour": 9, "minute": 28}
